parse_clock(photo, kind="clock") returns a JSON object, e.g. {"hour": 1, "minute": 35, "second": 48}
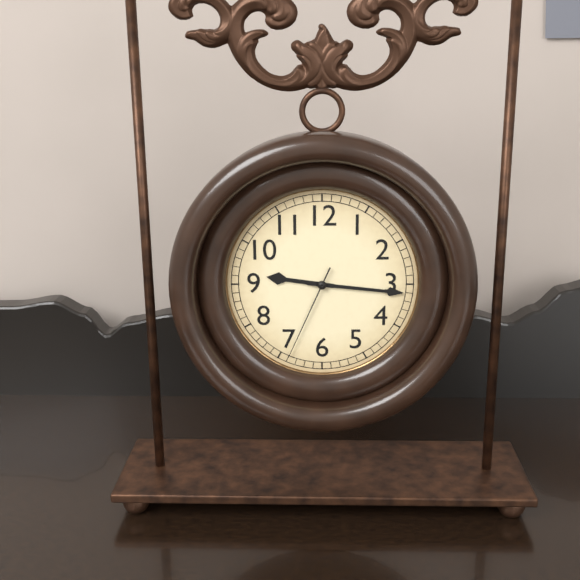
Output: {"hour": 9, "minute": 16, "second": 34}
